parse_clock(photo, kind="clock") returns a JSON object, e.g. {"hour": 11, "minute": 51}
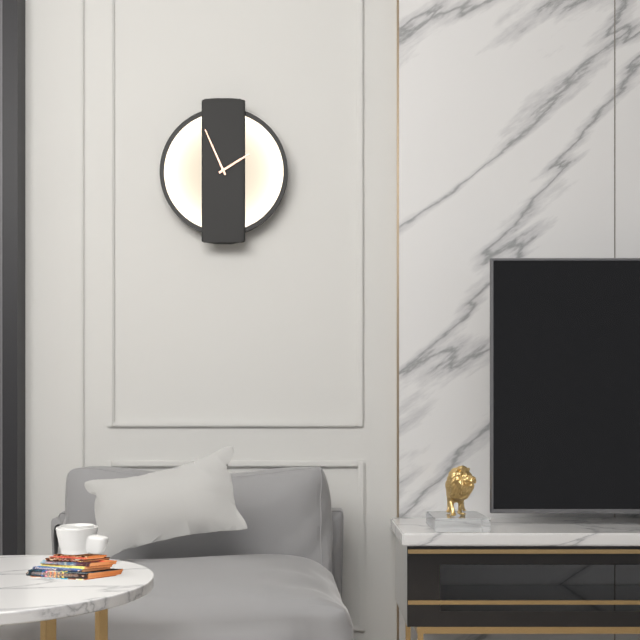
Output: {"hour": 1, "minute": 56}
